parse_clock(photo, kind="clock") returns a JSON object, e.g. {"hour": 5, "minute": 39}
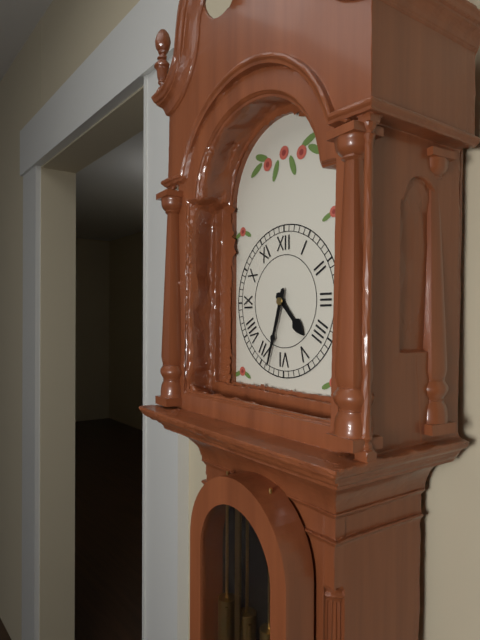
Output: {"hour": 4, "minute": 33}
